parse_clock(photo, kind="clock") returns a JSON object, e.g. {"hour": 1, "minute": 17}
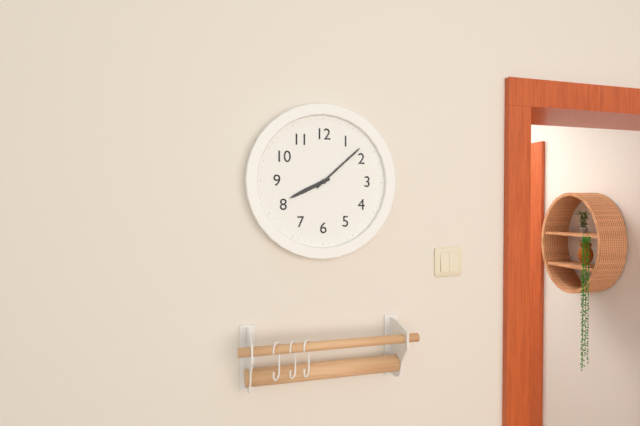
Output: {"hour": 8, "minute": 8}
